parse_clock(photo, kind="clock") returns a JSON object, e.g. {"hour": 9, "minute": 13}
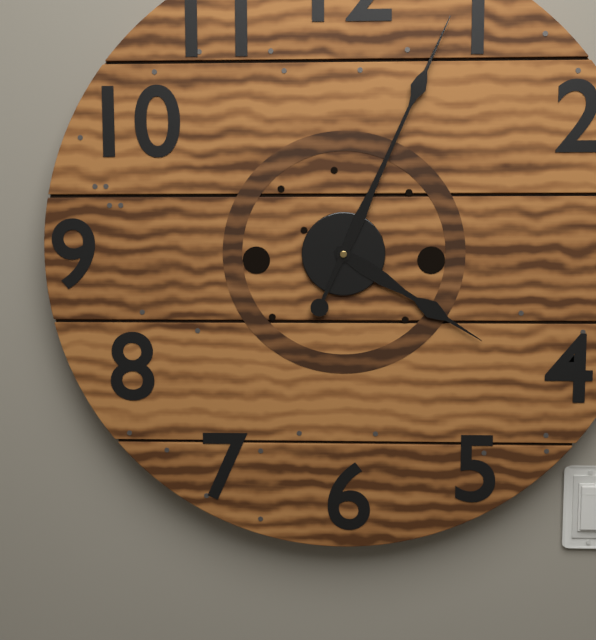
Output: {"hour": 4, "minute": 4}
